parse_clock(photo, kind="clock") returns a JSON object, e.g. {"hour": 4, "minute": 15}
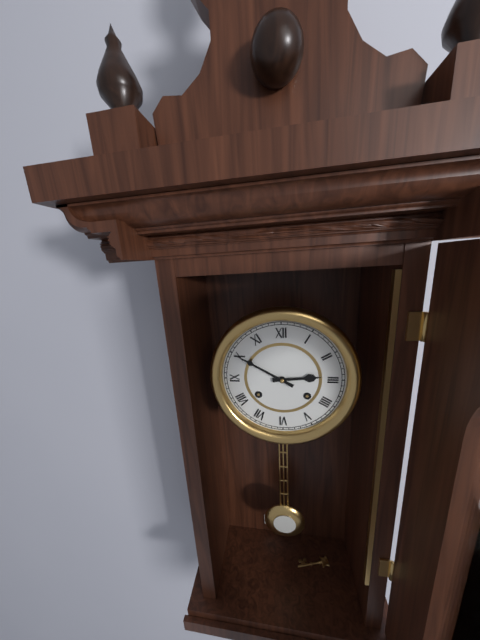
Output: {"hour": 2, "minute": 50}
